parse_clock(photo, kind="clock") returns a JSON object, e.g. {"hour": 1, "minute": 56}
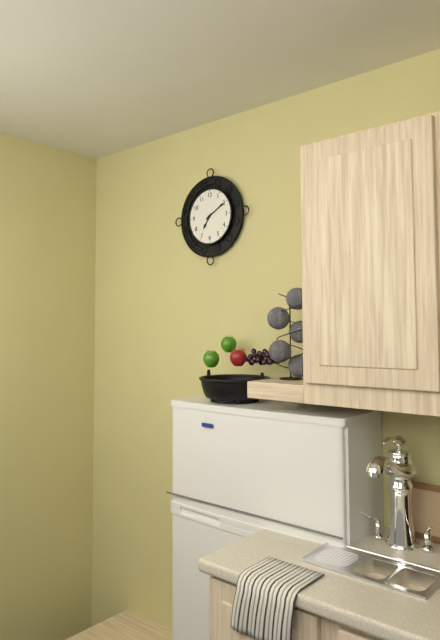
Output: {"hour": 7, "minute": 10}
